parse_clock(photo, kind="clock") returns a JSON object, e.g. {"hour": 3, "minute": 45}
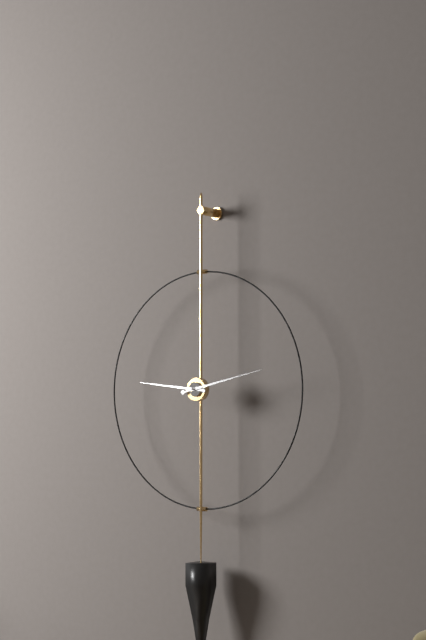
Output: {"hour": 9, "minute": 13}
